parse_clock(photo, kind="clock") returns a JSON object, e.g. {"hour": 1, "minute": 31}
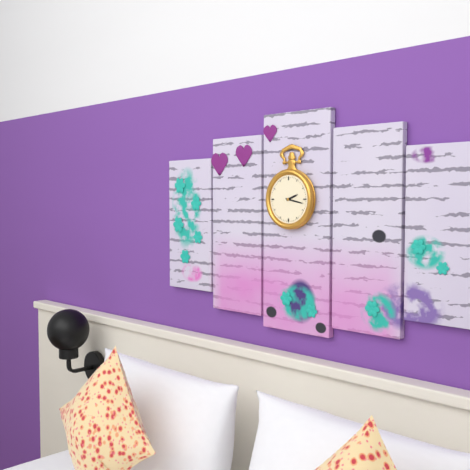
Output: {"hour": 2, "minute": 17}
